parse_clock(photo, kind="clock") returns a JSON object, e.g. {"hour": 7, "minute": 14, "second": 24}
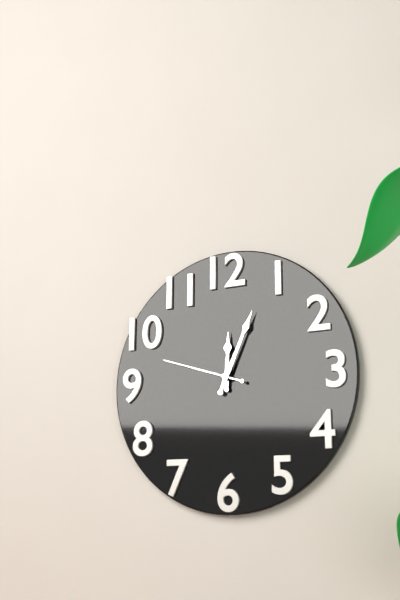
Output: {"hour": 12, "minute": 4, "second": 48}
